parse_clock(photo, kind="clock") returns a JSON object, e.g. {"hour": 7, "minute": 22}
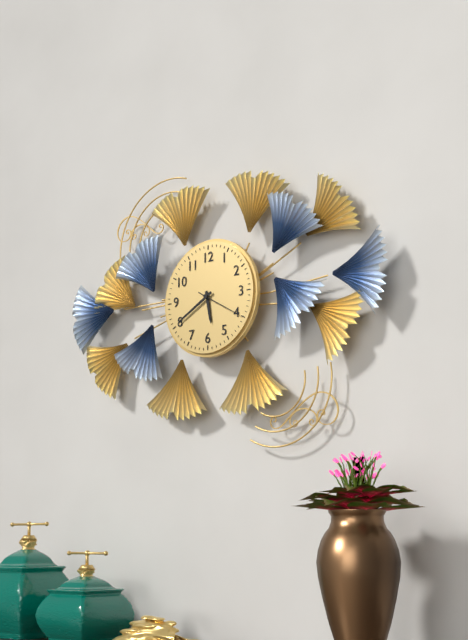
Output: {"hour": 5, "minute": 40}
